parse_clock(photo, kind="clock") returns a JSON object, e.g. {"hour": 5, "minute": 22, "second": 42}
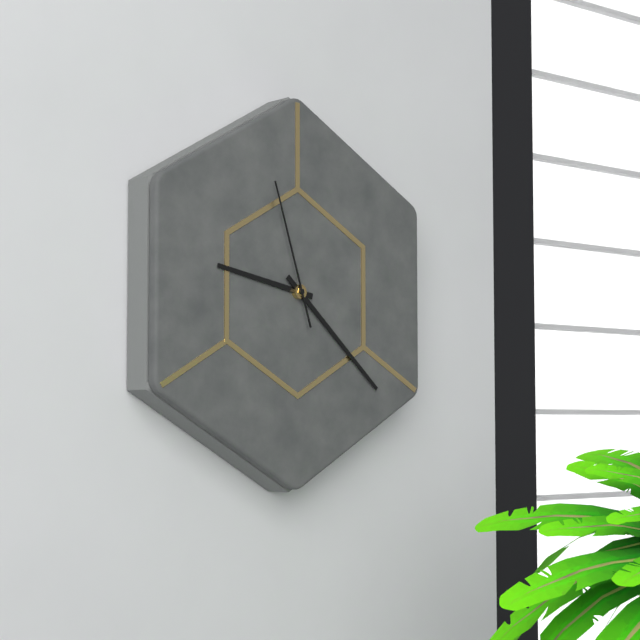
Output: {"hour": 9, "minute": 22, "second": 57}
